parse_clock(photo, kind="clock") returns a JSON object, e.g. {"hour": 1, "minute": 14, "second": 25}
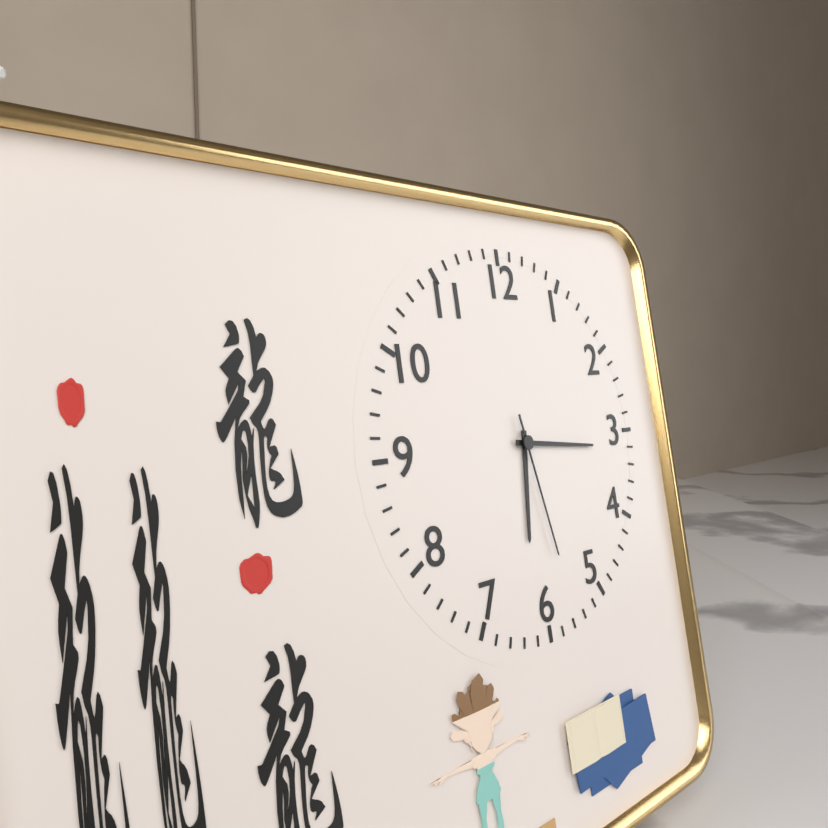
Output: {"hour": 6, "minute": 16, "second": 28}
